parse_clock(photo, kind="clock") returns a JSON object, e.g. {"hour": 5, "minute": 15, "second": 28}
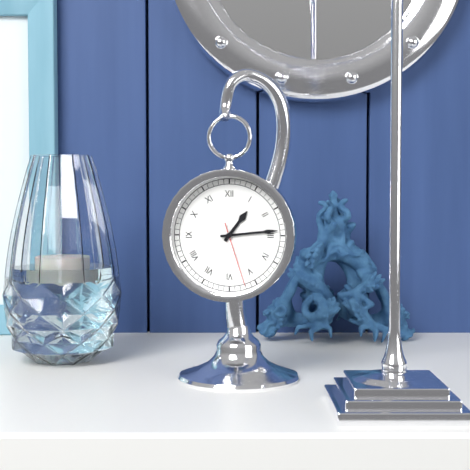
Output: {"hour": 1, "minute": 14, "second": 27}
